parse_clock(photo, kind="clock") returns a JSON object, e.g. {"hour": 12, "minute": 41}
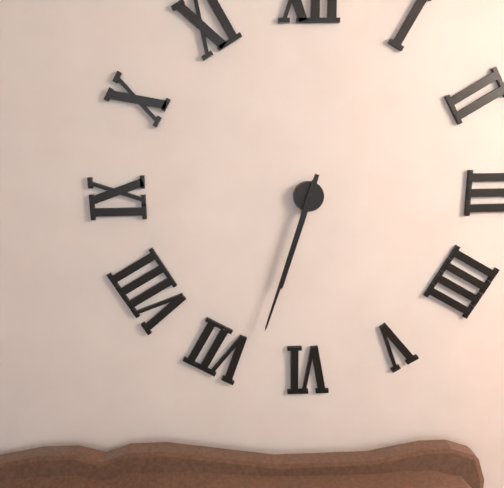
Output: {"hour": 6, "minute": 33}
